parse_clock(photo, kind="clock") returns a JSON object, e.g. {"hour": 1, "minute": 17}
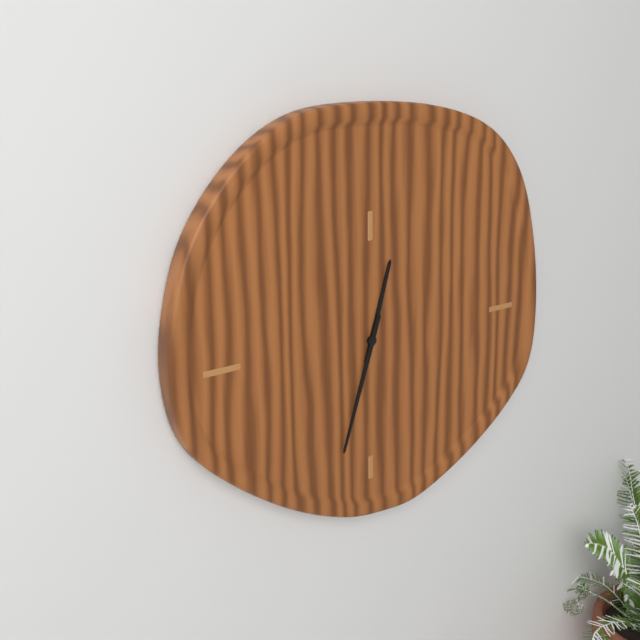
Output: {"hour": 12, "minute": 33}
